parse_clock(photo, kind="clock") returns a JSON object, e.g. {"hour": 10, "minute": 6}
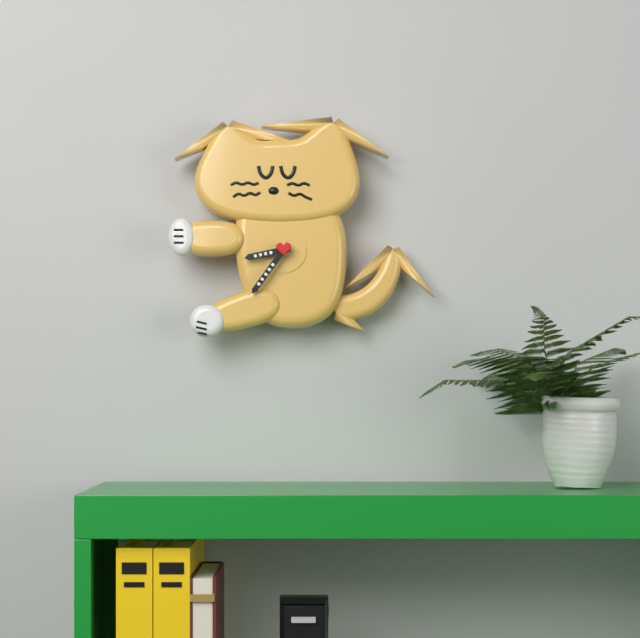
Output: {"hour": 8, "minute": 36}
